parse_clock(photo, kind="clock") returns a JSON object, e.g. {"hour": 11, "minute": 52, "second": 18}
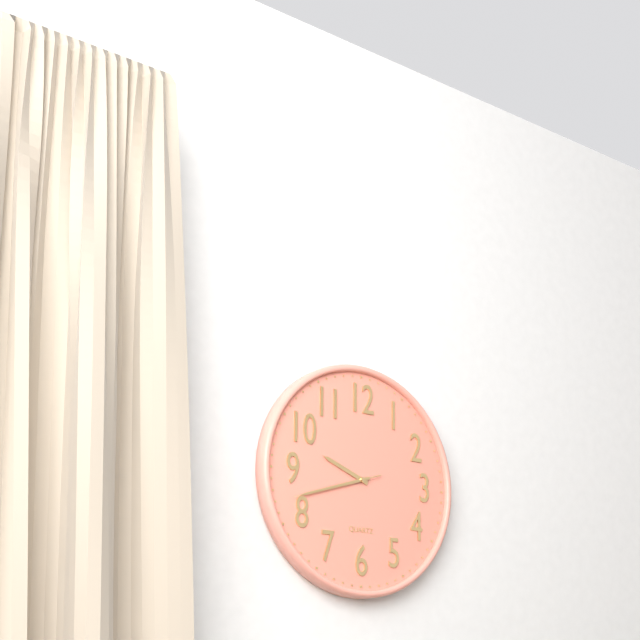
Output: {"hour": 9, "minute": 42, "second": 42}
